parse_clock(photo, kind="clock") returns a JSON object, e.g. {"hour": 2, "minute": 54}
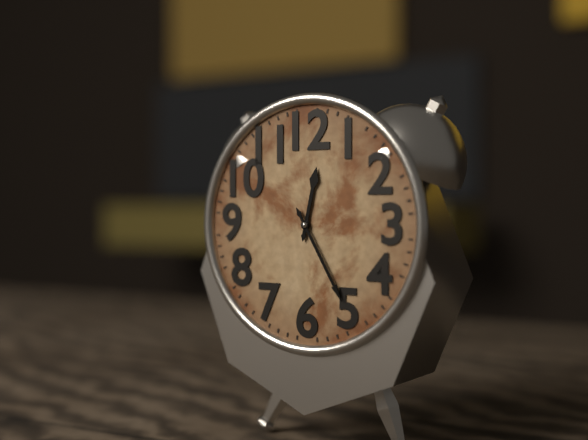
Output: {"hour": 12, "minute": 25}
